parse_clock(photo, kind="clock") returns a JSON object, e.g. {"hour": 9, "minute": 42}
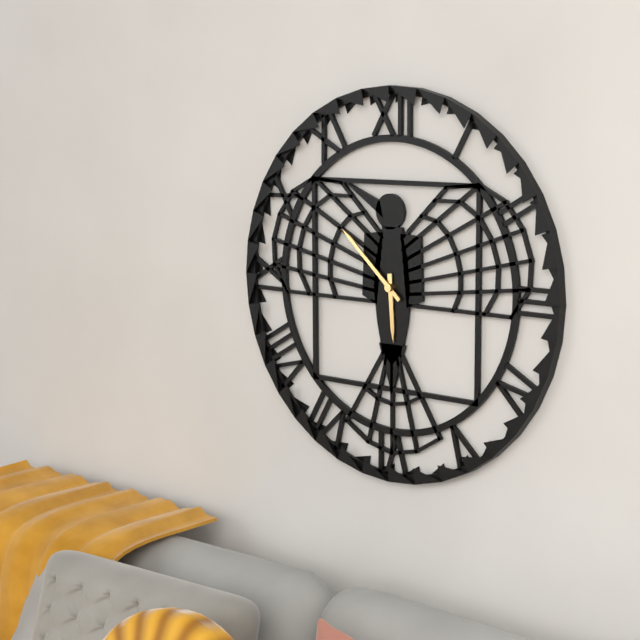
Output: {"hour": 5, "minute": 52}
